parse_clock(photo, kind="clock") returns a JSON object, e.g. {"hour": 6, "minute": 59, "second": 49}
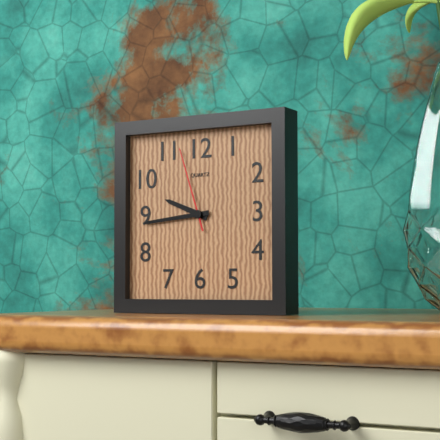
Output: {"hour": 9, "minute": 44, "second": 57}
